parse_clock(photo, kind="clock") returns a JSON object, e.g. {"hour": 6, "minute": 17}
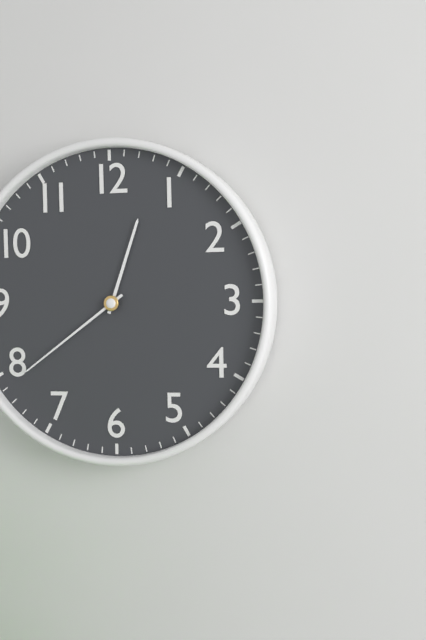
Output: {"hour": 12, "minute": 39}
